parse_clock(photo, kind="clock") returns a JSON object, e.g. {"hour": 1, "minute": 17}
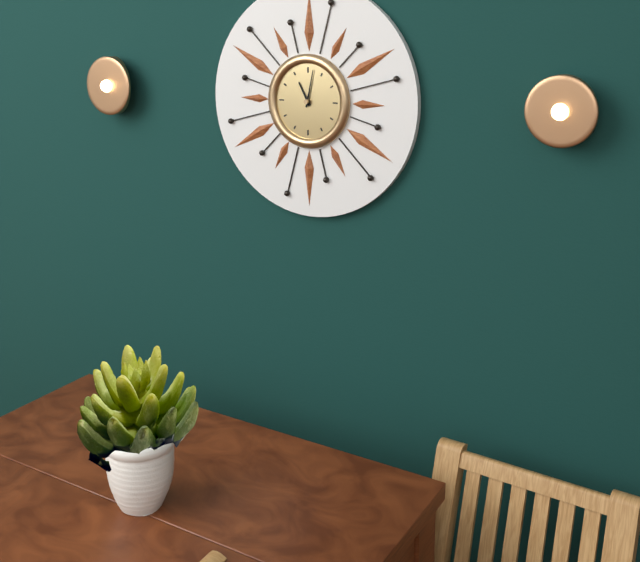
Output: {"hour": 11, "minute": 2}
